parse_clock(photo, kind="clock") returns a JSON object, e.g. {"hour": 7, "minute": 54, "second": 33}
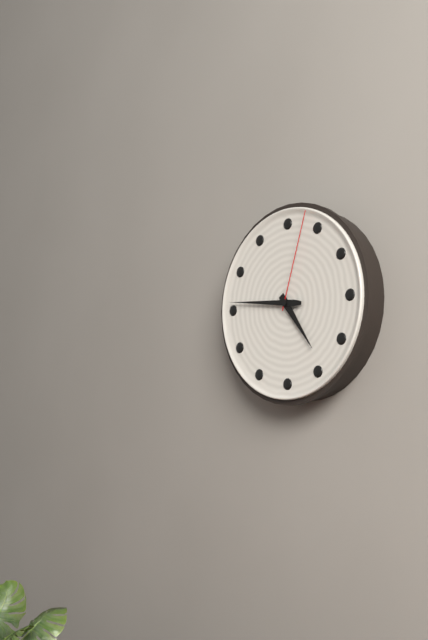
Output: {"hour": 4, "minute": 46, "second": 3}
